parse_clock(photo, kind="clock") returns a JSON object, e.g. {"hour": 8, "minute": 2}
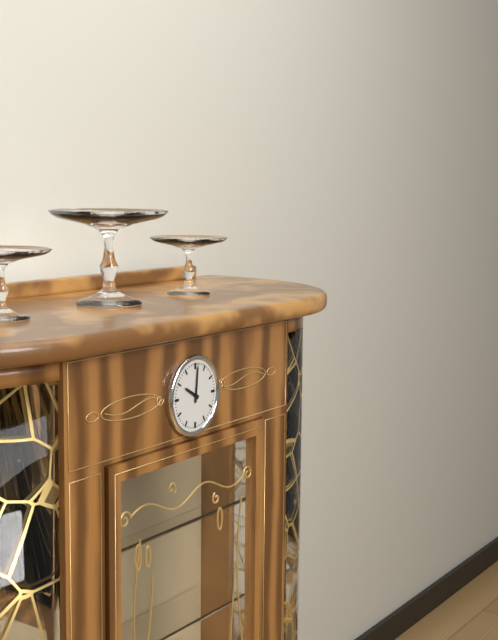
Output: {"hour": 10, "minute": 1}
